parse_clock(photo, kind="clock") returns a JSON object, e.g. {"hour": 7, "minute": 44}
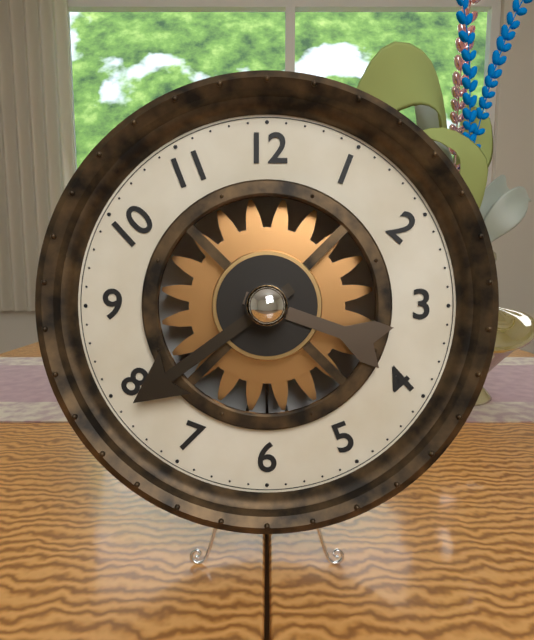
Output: {"hour": 3, "minute": 39}
